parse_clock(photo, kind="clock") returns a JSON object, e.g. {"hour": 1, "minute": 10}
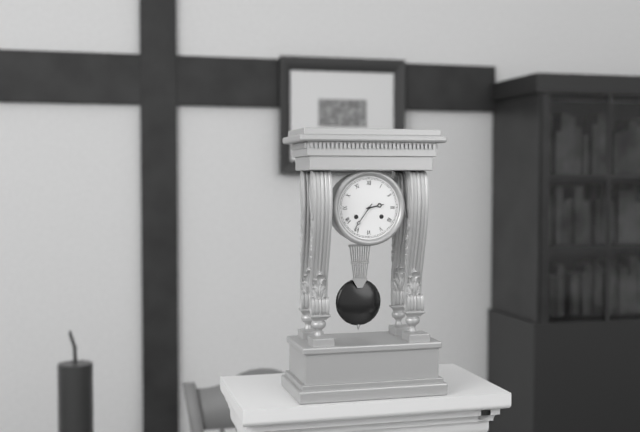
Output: {"hour": 2, "minute": 36}
